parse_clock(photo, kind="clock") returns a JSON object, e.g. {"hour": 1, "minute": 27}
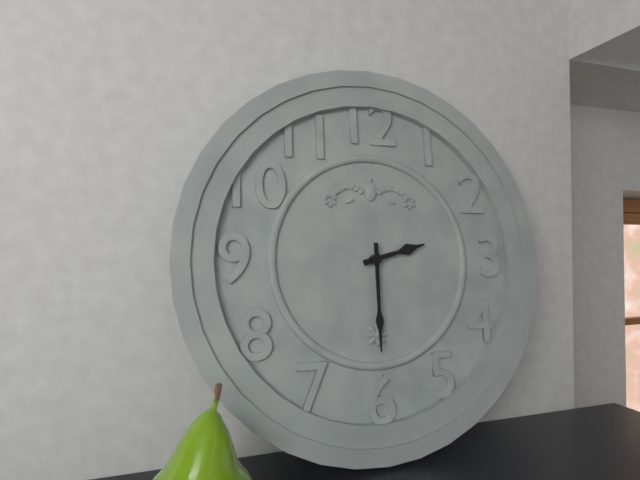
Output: {"hour": 2, "minute": 30}
